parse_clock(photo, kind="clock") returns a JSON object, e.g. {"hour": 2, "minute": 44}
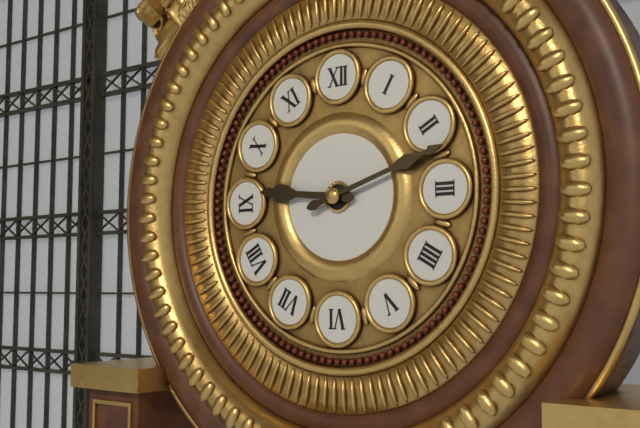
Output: {"hour": 9, "minute": 12}
